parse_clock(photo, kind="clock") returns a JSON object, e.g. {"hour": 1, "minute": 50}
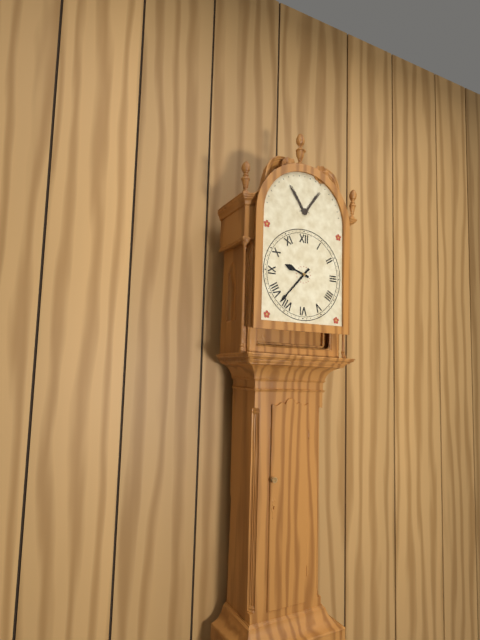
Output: {"hour": 9, "minute": 37}
